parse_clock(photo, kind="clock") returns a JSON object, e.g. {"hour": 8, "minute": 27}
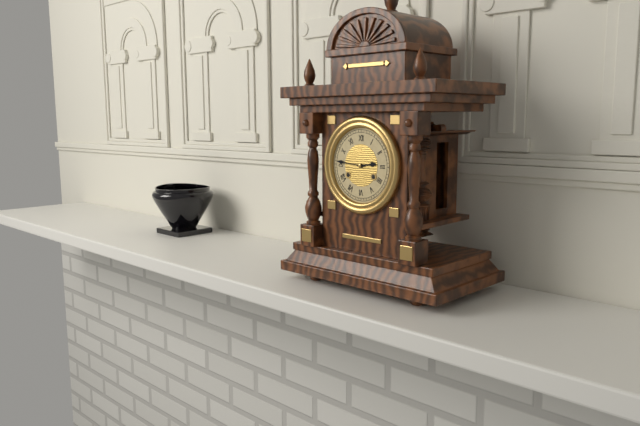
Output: {"hour": 2, "minute": 46}
